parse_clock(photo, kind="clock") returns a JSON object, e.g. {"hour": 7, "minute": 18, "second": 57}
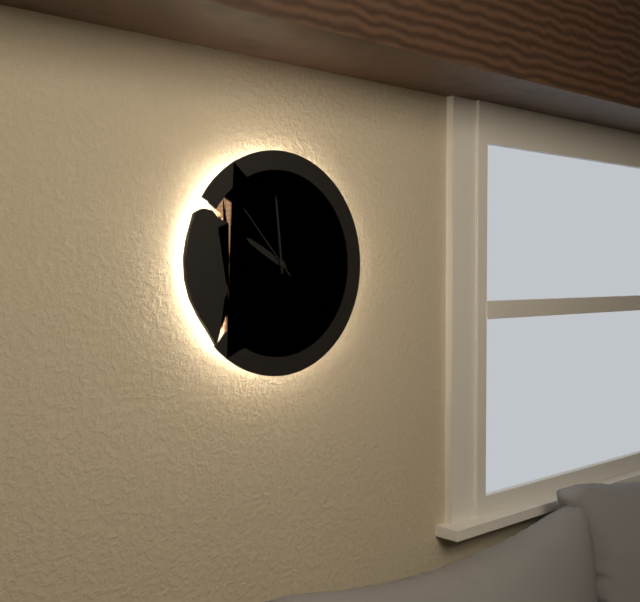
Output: {"hour": 9, "minute": 59, "second": 53}
